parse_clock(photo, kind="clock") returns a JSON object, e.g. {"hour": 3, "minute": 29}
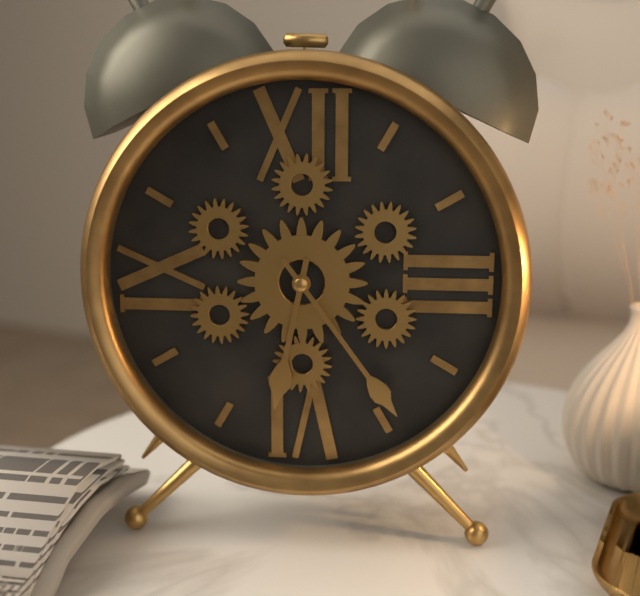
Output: {"hour": 6, "minute": 24}
